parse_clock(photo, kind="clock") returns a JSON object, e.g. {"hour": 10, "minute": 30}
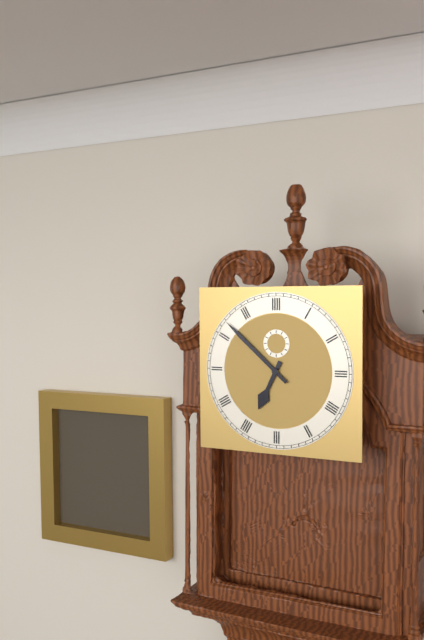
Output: {"hour": 6, "minute": 52}
